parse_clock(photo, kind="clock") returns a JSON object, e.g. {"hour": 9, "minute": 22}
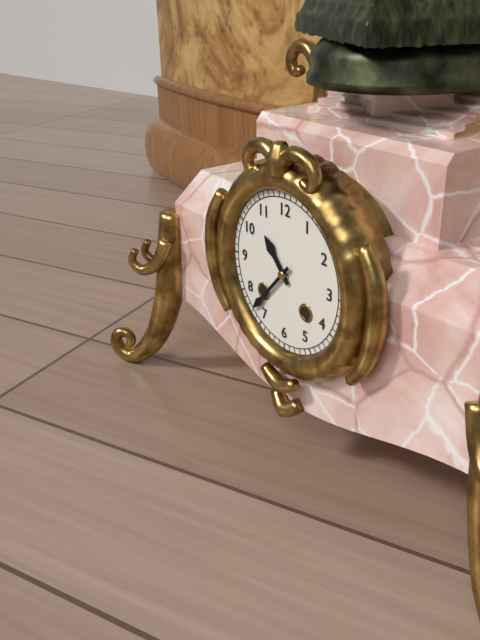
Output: {"hour": 10, "minute": 37}
